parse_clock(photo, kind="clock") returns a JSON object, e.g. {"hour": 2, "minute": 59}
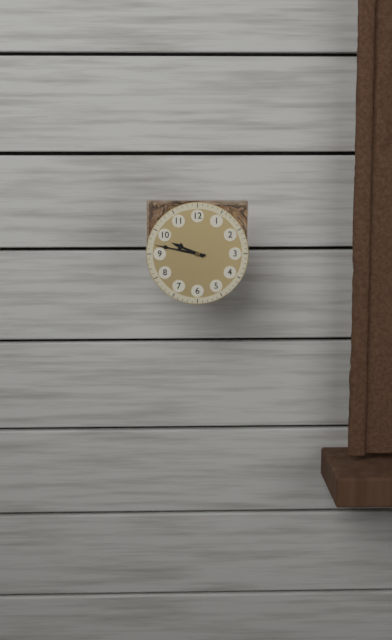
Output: {"hour": 9, "minute": 47}
